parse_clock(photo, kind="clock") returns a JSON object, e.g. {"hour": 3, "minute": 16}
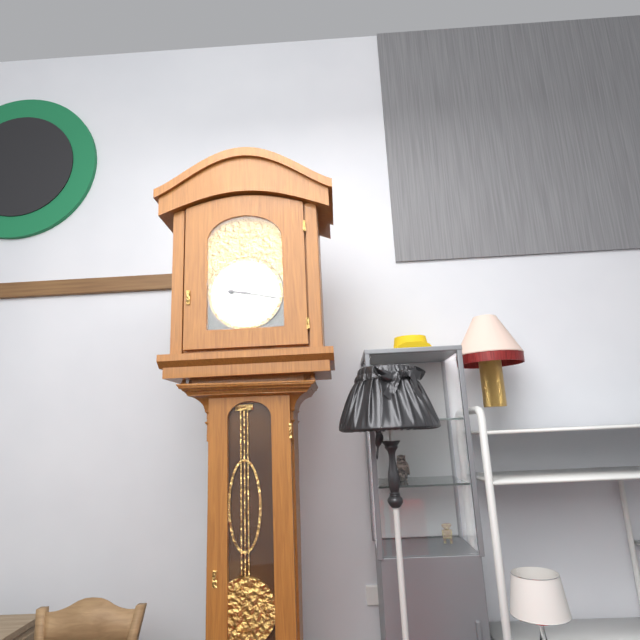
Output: {"hour": 9, "minute": 17}
